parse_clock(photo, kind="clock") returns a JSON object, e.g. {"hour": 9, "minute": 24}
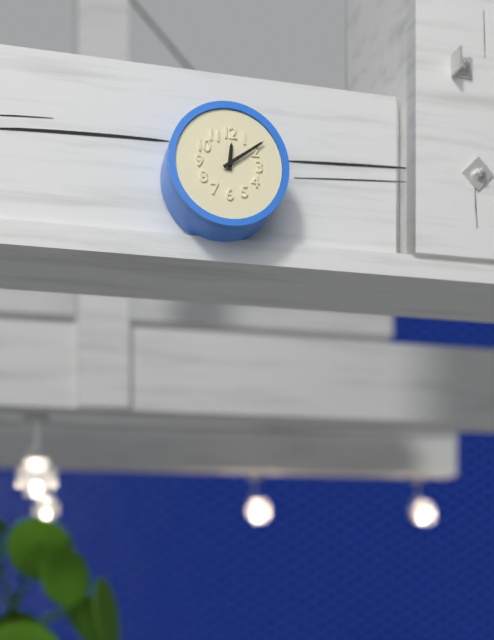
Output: {"hour": 12, "minute": 9}
